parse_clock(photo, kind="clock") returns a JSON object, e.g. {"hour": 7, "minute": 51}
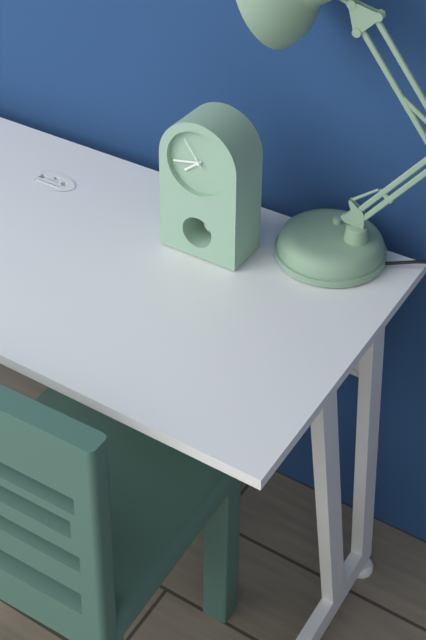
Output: {"hour": 7, "minute": 43}
